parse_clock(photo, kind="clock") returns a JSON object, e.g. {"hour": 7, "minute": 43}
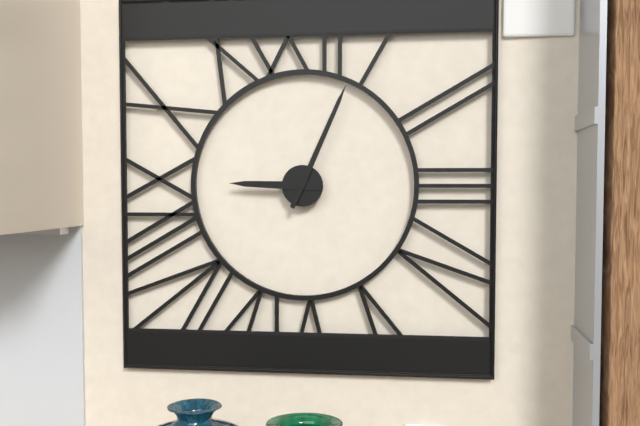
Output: {"hour": 9, "minute": 4}
